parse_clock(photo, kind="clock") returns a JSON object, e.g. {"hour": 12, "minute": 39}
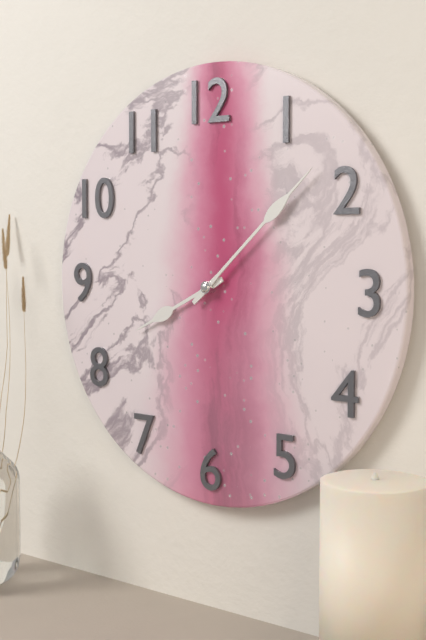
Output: {"hour": 8, "minute": 8}
